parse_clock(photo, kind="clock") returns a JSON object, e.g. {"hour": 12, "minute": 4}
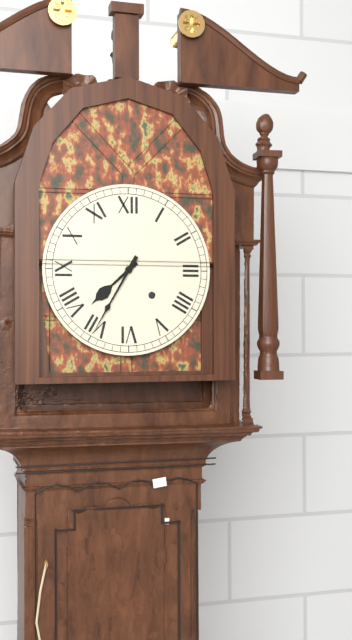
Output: {"hour": 7, "minute": 35}
